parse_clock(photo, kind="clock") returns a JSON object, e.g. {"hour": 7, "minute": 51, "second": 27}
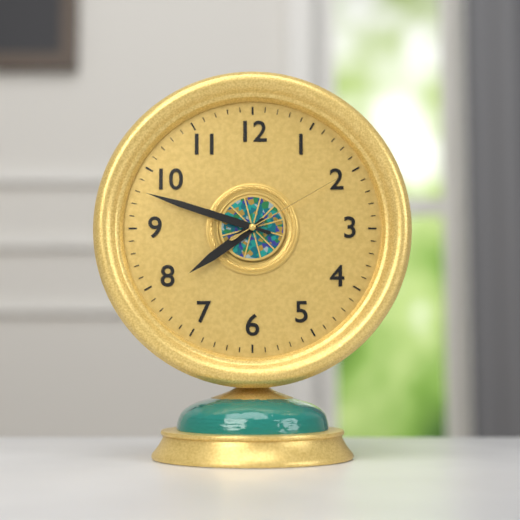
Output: {"hour": 7, "minute": 48, "second": 10}
